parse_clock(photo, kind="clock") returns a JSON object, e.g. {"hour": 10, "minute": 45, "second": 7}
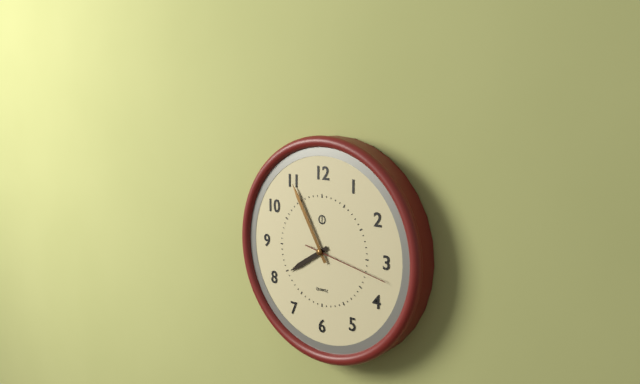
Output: {"hour": 7, "minute": 55, "second": 17}
